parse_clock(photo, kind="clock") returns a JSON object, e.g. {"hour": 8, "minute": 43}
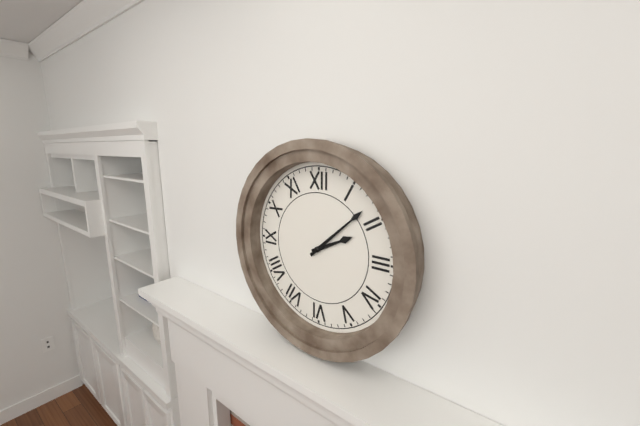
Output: {"hour": 2, "minute": 8}
